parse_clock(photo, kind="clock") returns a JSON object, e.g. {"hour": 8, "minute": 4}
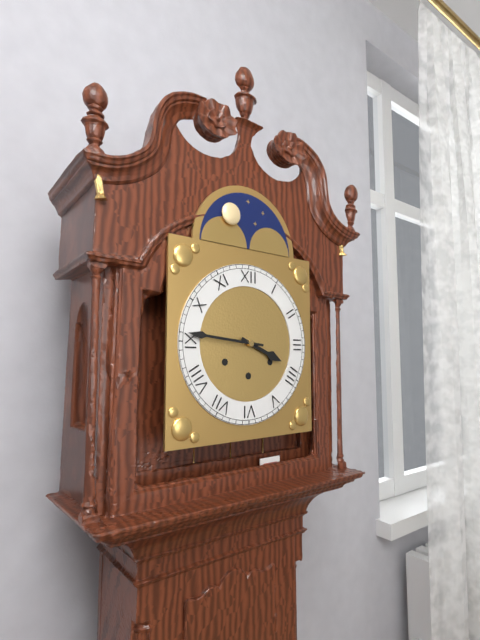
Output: {"hour": 3, "minute": 46}
